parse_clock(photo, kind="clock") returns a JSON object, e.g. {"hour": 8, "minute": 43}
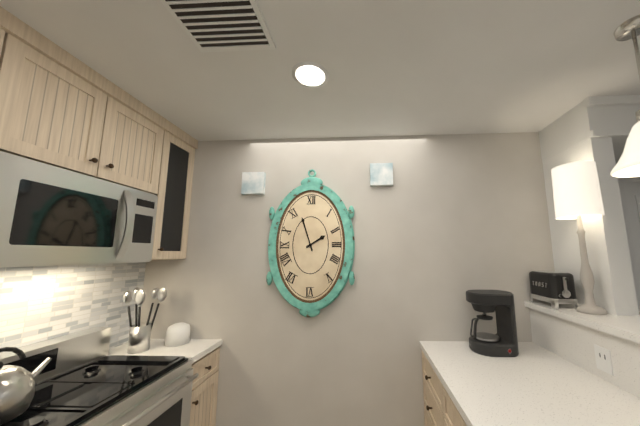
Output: {"hour": 1, "minute": 57}
